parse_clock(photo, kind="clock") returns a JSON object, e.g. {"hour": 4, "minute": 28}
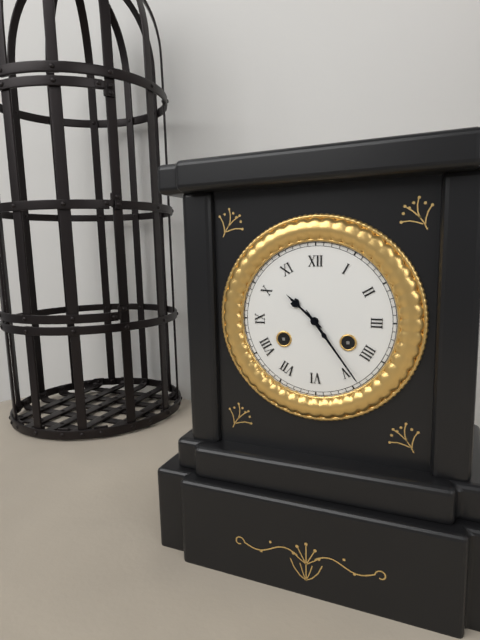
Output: {"hour": 10, "minute": 24}
